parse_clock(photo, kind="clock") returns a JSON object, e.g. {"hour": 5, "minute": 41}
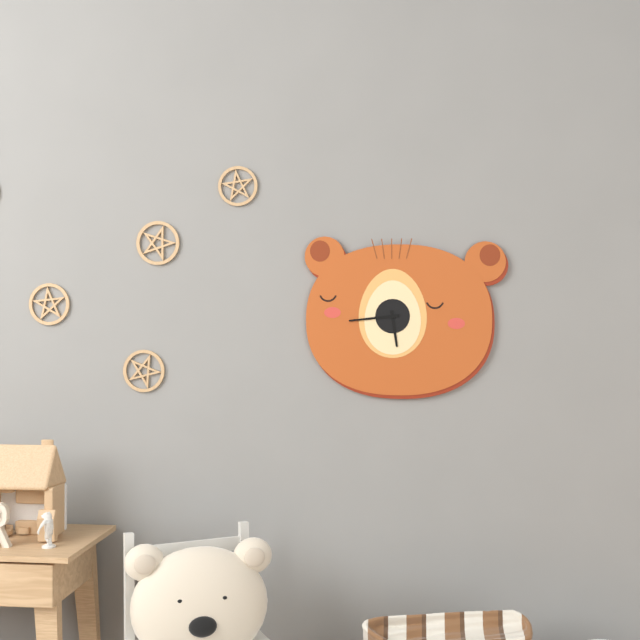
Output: {"hour": 5, "minute": 44}
